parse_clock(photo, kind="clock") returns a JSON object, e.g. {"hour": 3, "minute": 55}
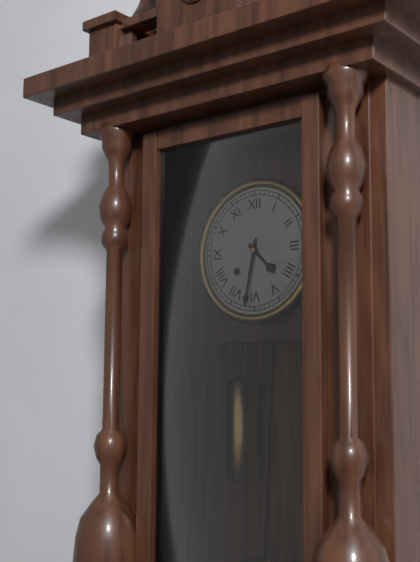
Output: {"hour": 4, "minute": 32}
